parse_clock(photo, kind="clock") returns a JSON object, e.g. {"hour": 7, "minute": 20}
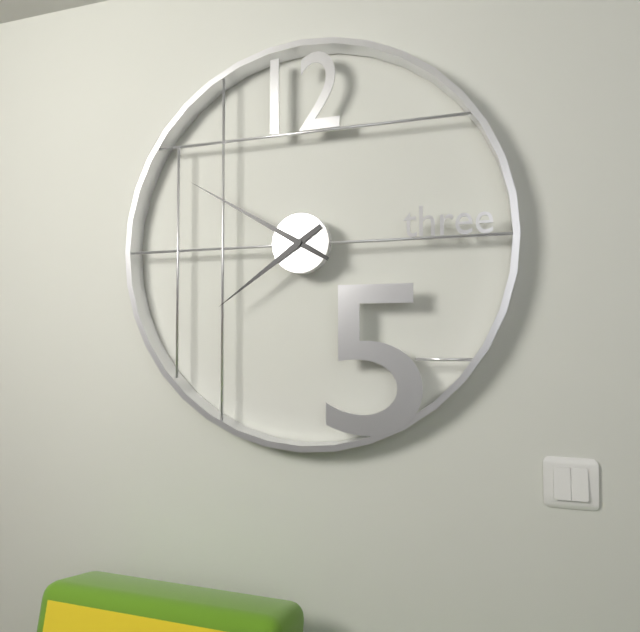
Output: {"hour": 7, "minute": 50}
